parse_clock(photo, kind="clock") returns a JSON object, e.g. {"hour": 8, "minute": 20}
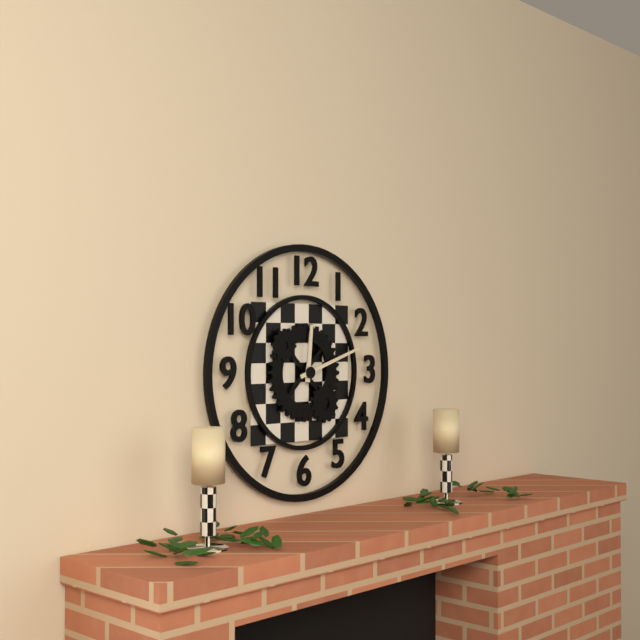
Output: {"hour": 12, "minute": 12}
